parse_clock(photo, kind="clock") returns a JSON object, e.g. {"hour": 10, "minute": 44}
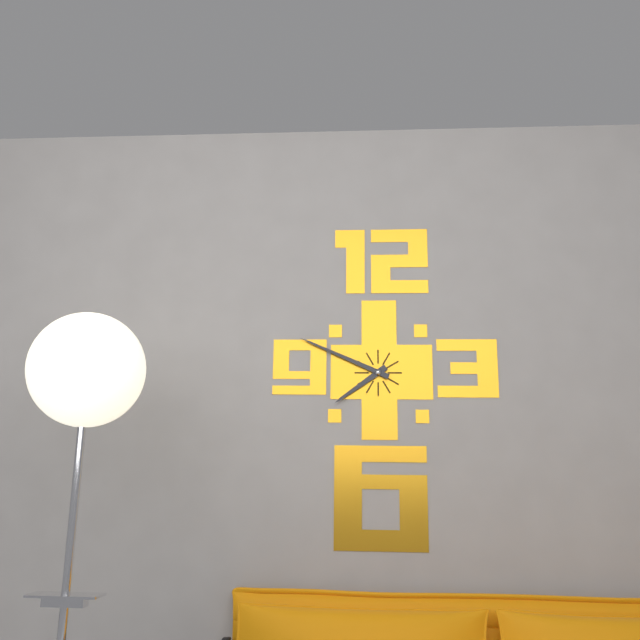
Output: {"hour": 7, "minute": 49}
